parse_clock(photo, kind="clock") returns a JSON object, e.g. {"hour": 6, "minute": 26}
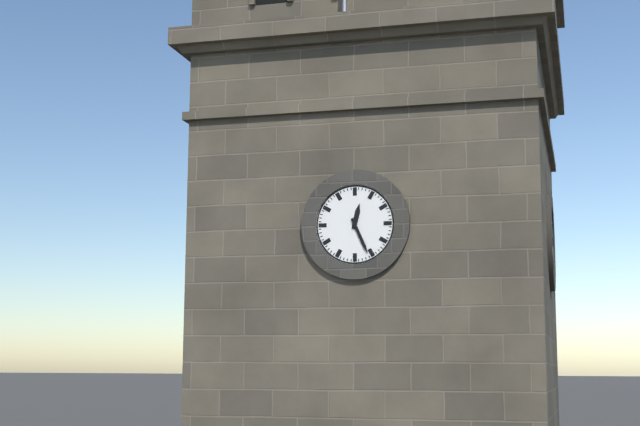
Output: {"hour": 12, "minute": 26}
